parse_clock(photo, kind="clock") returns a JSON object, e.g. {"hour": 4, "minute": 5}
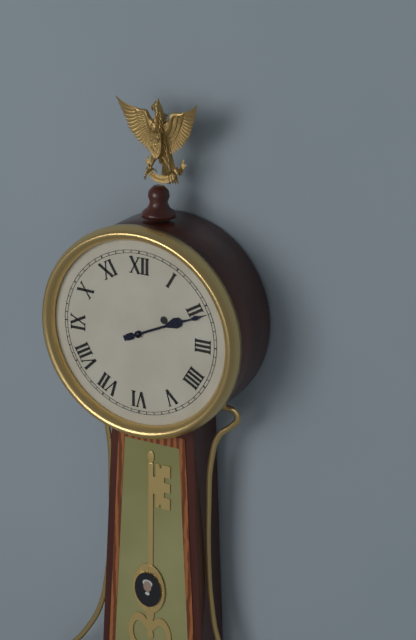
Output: {"hour": 2, "minute": 11}
